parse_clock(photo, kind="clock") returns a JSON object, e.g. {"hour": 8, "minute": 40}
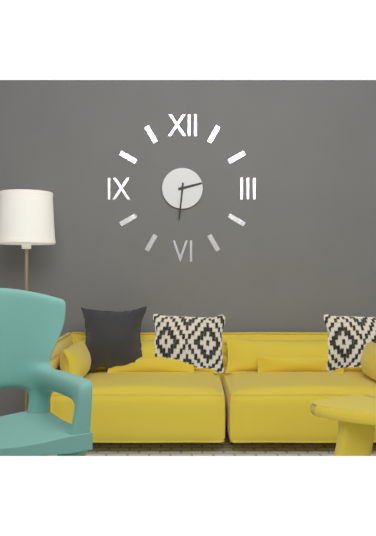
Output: {"hour": 2, "minute": 31}
